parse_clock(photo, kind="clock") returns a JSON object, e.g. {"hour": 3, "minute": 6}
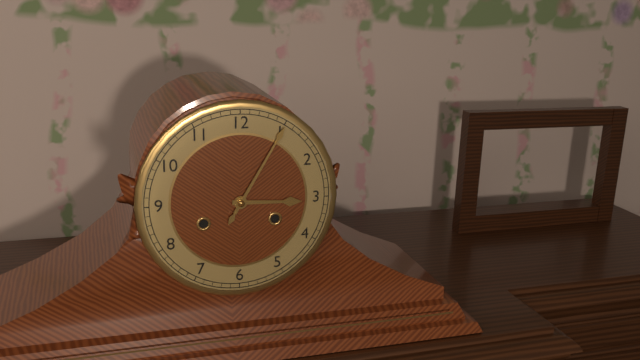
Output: {"hour": 3, "minute": 5}
